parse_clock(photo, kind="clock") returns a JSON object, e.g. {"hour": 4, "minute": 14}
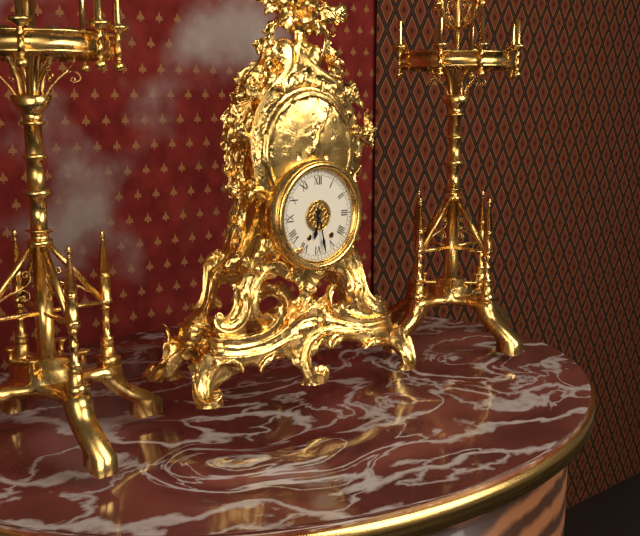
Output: {"hour": 6, "minute": 28}
